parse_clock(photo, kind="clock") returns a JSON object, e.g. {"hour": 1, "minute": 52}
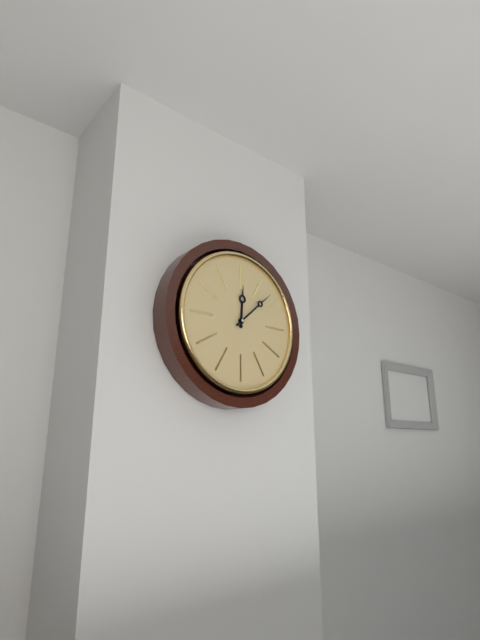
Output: {"hour": 12, "minute": 8}
